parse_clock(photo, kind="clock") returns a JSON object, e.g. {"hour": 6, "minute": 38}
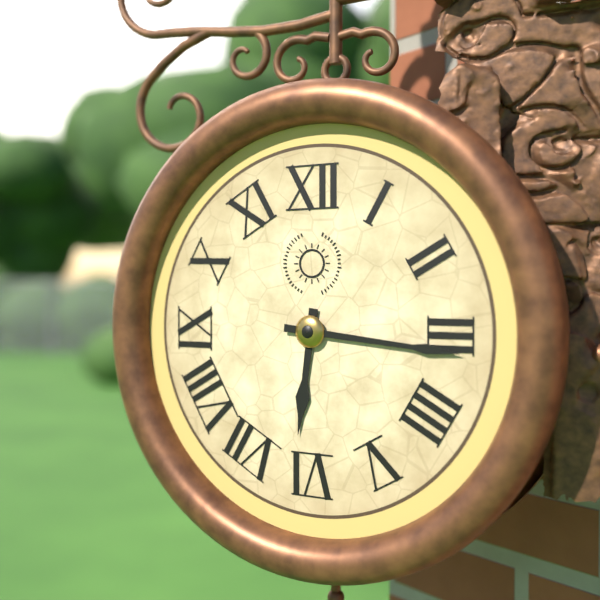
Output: {"hour": 6, "minute": 16}
